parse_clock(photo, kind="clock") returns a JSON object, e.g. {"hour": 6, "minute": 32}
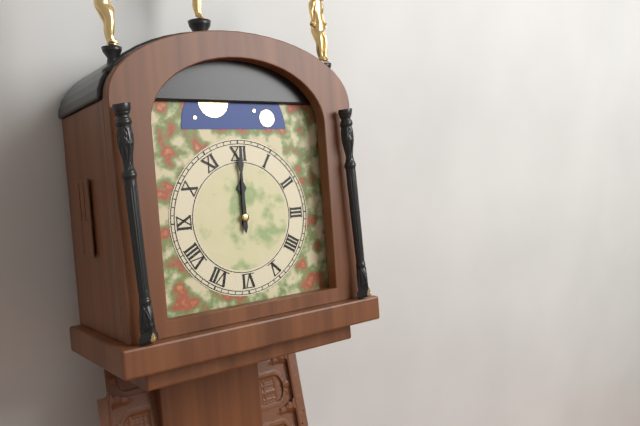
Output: {"hour": 12, "minute": 0}
